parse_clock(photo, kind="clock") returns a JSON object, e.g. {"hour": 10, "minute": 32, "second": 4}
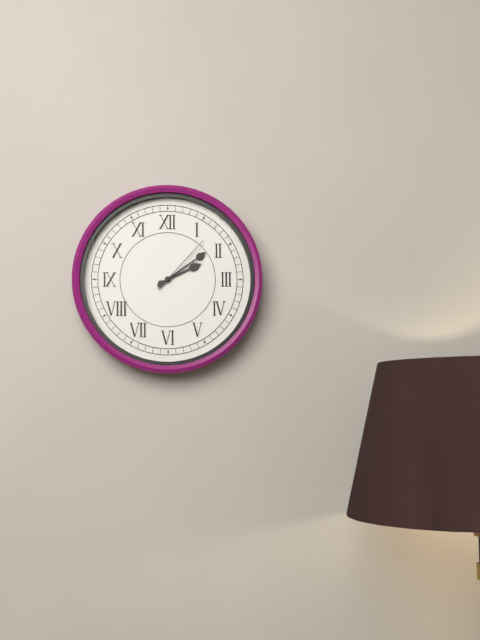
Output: {"hour": 2, "minute": 9, "second": 7}
